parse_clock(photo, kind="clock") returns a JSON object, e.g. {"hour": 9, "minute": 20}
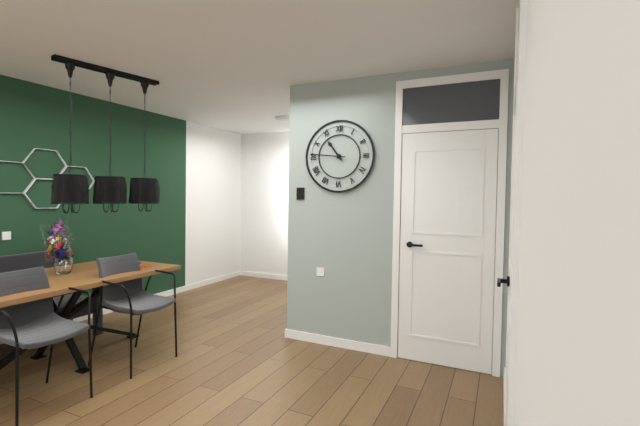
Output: {"hour": 10, "minute": 46}
